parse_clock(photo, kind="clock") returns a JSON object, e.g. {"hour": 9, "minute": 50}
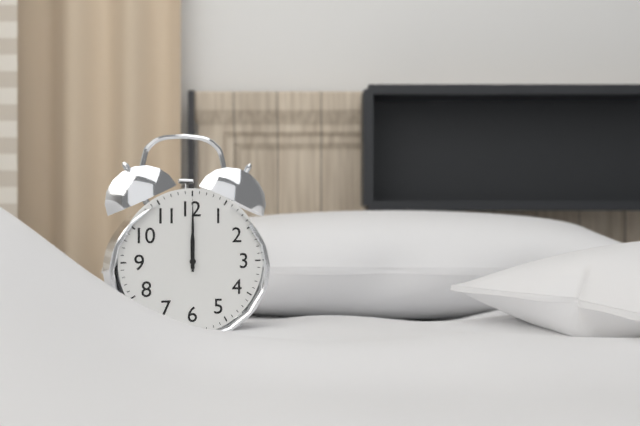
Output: {"hour": 12, "minute": 0}
